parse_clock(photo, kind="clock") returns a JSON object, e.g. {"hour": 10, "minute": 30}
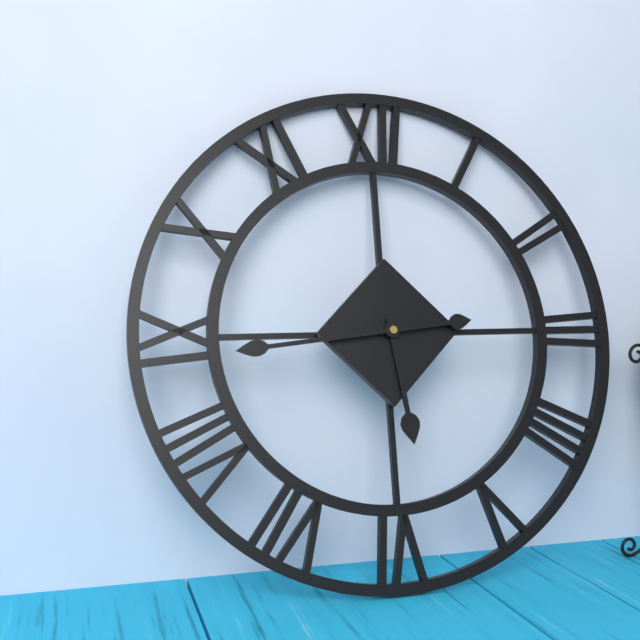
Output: {"hour": 5, "minute": 44}
